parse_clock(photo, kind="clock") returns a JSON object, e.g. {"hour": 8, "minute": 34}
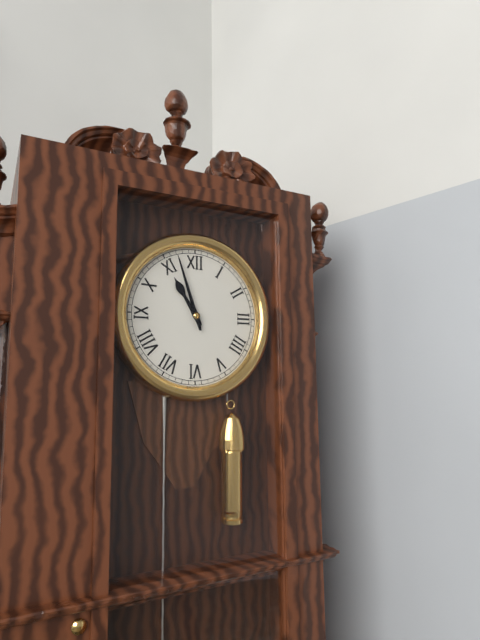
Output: {"hour": 10, "minute": 57}
